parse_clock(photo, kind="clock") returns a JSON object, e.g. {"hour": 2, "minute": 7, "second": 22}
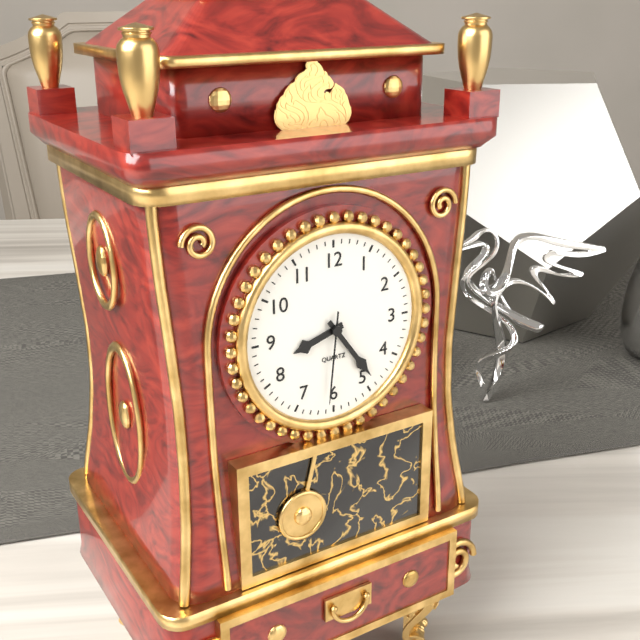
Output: {"hour": 8, "minute": 24, "second": 31}
